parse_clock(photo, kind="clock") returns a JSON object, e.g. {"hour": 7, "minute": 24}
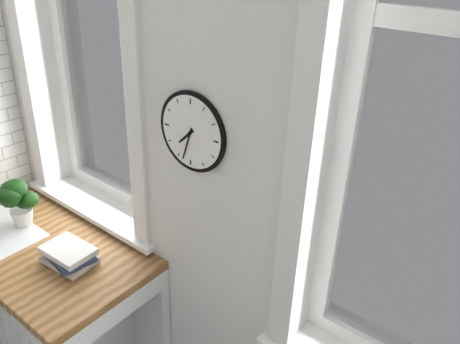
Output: {"hour": 7, "minute": 33}
